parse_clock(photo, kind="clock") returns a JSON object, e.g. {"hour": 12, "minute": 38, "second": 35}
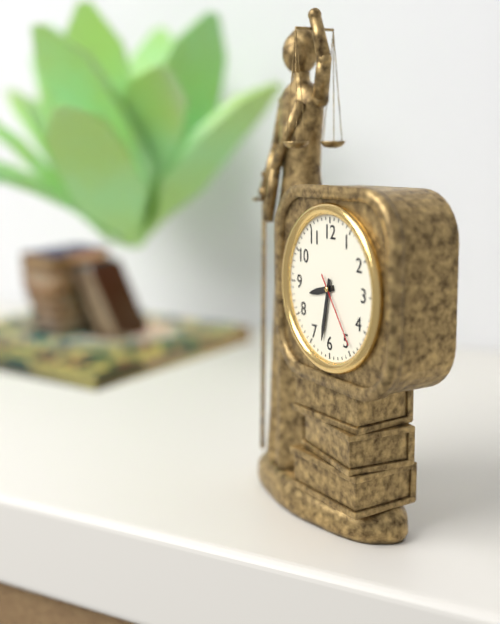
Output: {"hour": 8, "minute": 32, "second": 24}
